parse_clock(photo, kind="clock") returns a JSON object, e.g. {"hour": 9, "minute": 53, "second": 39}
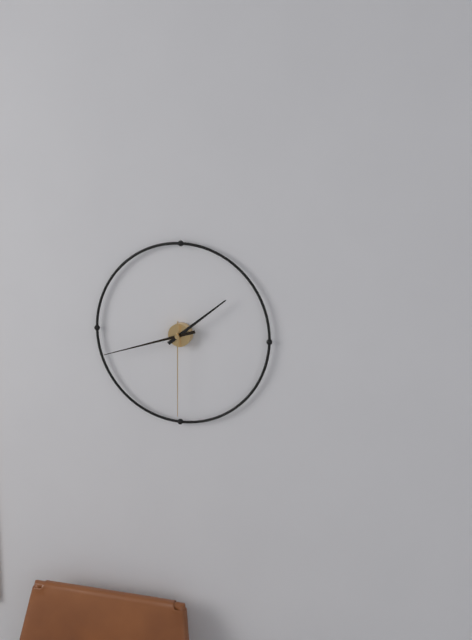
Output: {"hour": 1, "minute": 42, "second": 30}
